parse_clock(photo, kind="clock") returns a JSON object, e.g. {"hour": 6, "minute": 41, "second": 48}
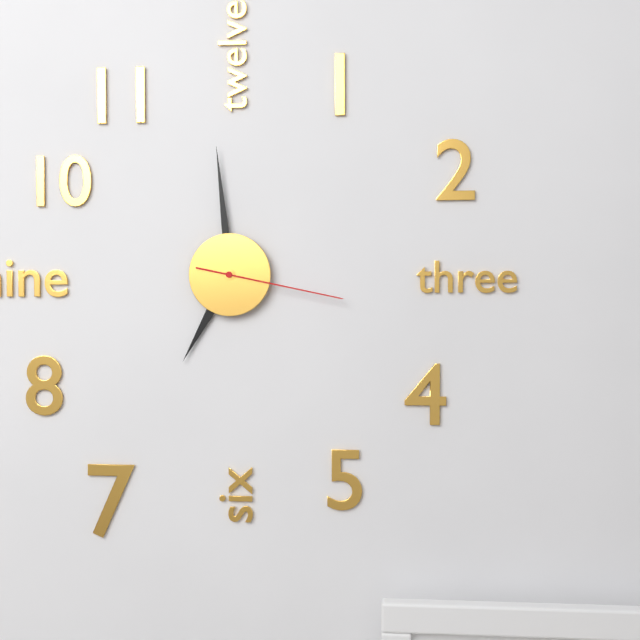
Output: {"hour": 6, "minute": 59, "second": 17}
